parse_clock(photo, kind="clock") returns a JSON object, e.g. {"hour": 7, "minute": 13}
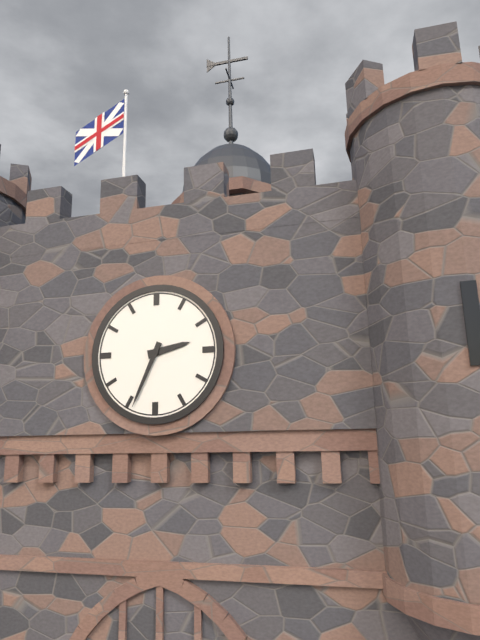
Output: {"hour": 2, "minute": 34}
